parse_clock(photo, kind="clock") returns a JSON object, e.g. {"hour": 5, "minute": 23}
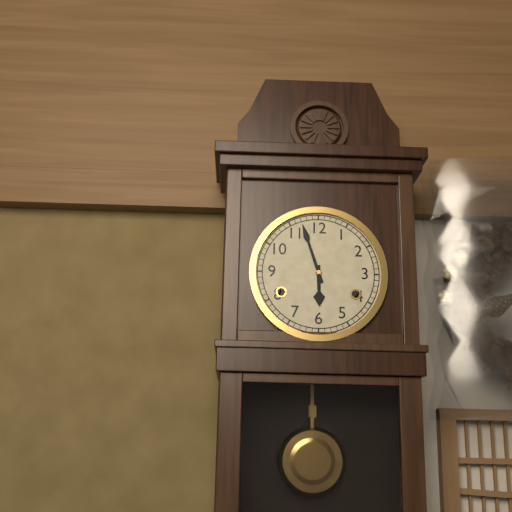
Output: {"hour": 5, "minute": 57}
